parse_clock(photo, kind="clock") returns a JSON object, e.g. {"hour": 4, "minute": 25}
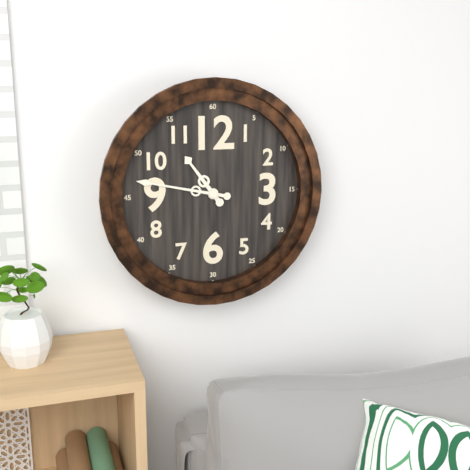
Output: {"hour": 10, "minute": 47}
